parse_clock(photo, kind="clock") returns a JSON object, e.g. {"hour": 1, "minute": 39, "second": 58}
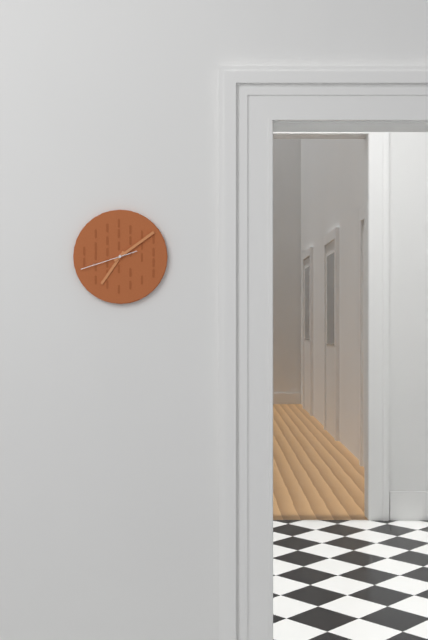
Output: {"hour": 7, "minute": 9, "second": 42}
